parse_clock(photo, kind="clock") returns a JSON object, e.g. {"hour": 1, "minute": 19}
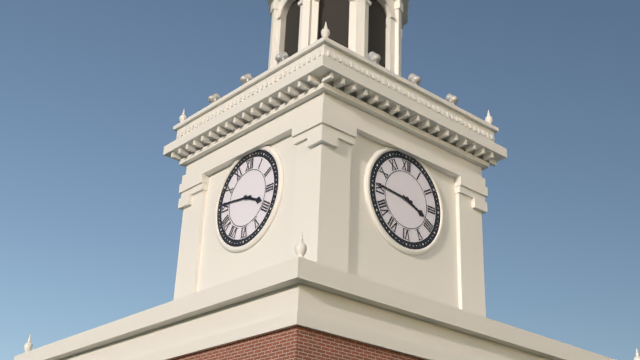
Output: {"hour": 3, "minute": 46}
